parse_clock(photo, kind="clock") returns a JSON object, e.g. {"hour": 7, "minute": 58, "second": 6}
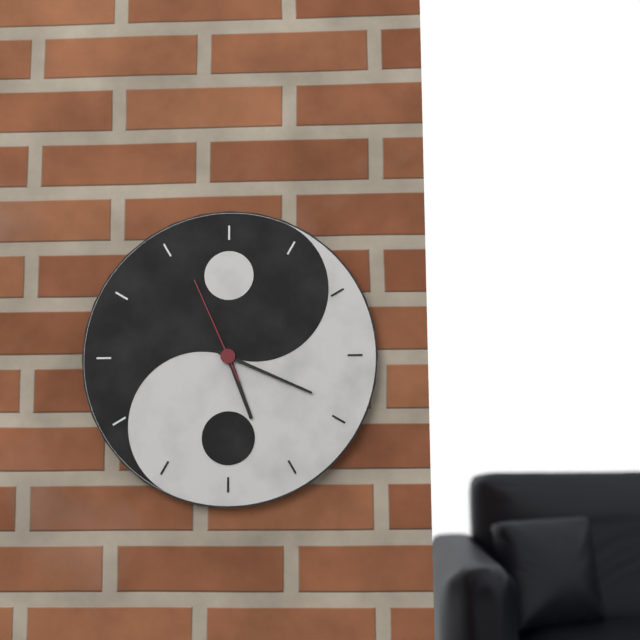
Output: {"hour": 5, "minute": 19, "second": 56}
